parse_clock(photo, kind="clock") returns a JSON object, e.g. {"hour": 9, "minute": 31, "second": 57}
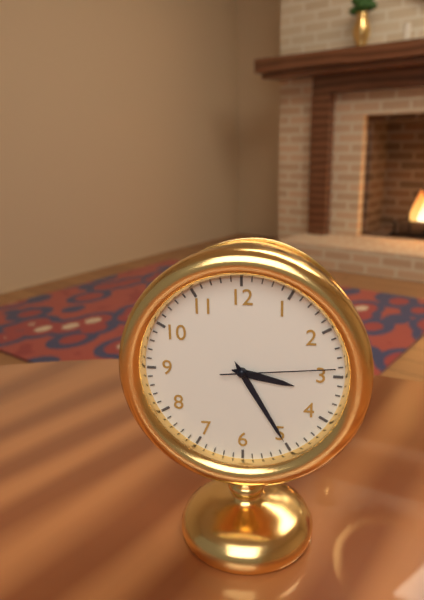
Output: {"hour": 3, "minute": 25, "second": 14}
